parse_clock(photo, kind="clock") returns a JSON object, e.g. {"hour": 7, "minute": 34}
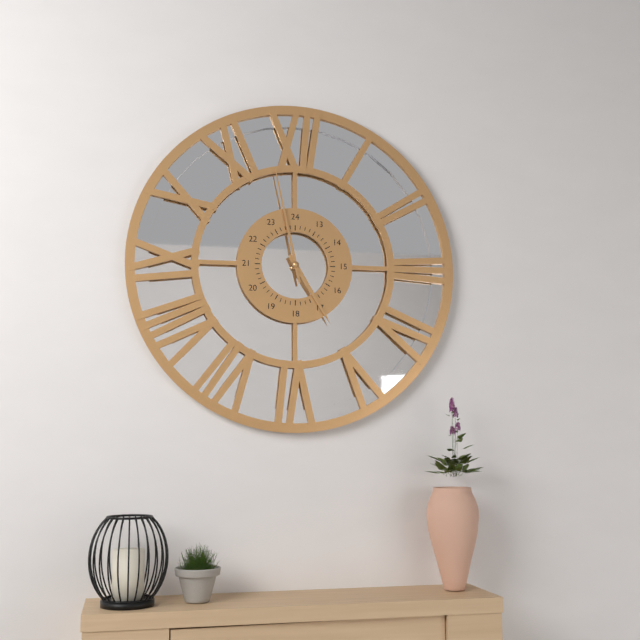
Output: {"hour": 4, "minute": 58}
